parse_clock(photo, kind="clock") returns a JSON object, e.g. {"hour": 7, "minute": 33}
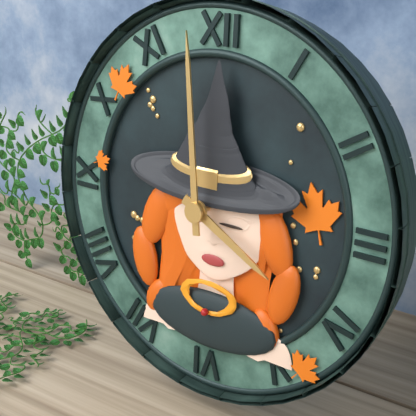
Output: {"hour": 3, "minute": 59}
